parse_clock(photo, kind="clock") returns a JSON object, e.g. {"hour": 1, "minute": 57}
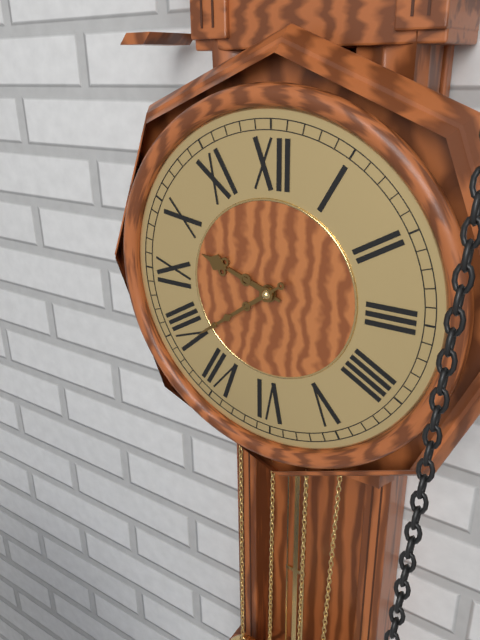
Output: {"hour": 9, "minute": 39}
